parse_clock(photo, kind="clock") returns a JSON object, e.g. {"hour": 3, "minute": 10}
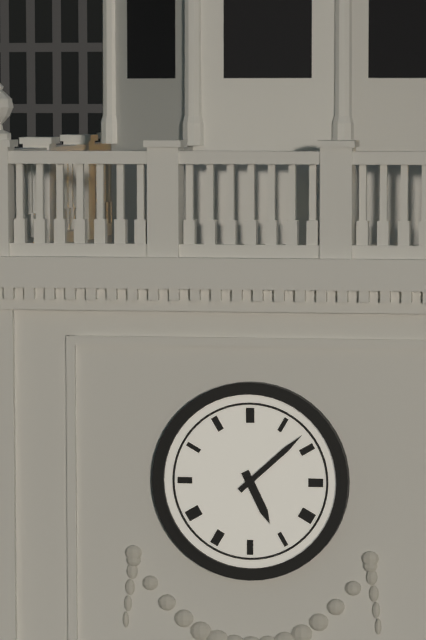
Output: {"hour": 5, "minute": 8}
